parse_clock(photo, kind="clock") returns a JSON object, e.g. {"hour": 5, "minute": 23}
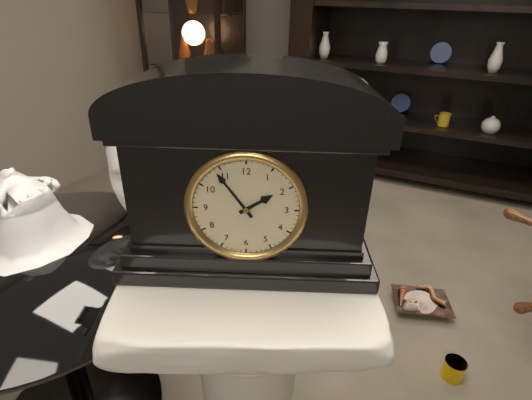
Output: {"hour": 1, "minute": 54}
